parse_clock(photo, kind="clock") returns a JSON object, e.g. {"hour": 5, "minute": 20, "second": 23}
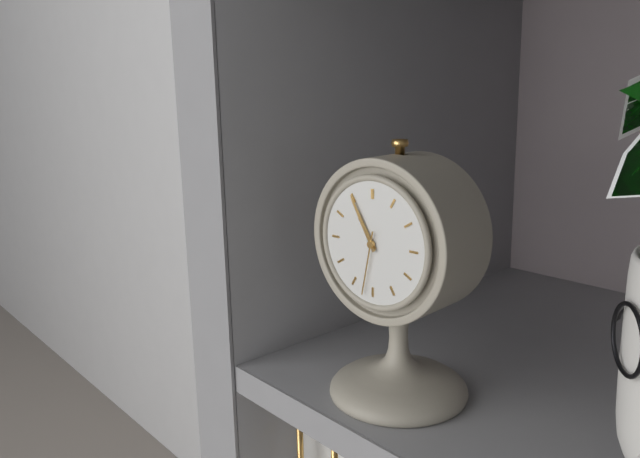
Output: {"hour": 10, "minute": 55, "second": 32}
